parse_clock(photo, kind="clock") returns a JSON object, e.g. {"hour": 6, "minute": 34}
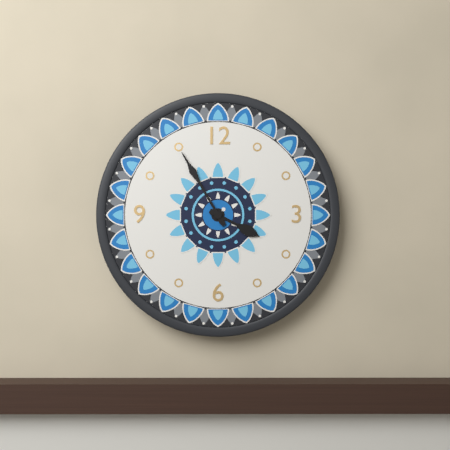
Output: {"hour": 3, "minute": 55}
